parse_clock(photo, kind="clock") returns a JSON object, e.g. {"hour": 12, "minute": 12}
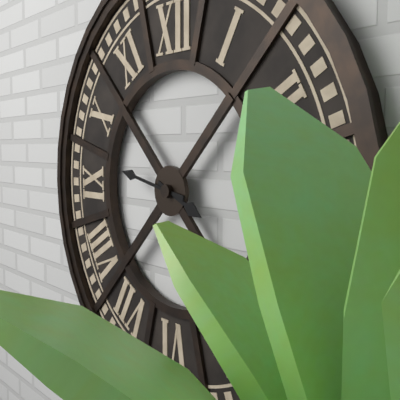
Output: {"hour": 3, "minute": 47}
